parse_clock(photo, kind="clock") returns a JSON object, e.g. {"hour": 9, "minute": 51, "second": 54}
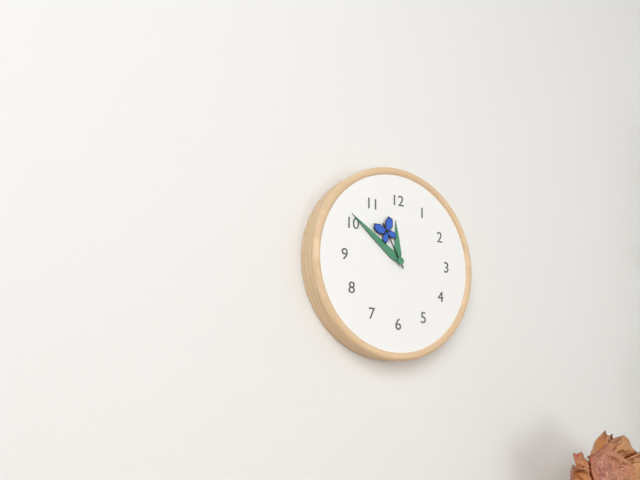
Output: {"hour": 11, "minute": 51, "second": 55}
